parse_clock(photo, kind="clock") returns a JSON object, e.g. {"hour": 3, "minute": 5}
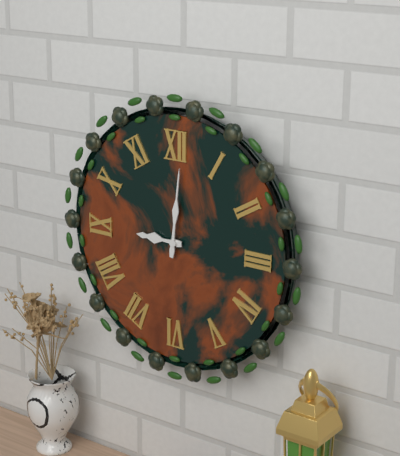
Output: {"hour": 9, "minute": 1}
